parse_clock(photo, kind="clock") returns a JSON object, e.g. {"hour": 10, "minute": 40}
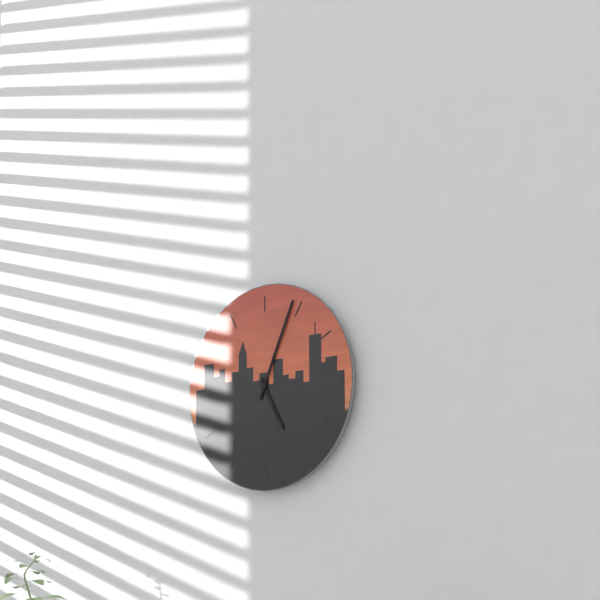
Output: {"hour": 5, "minute": 4}
